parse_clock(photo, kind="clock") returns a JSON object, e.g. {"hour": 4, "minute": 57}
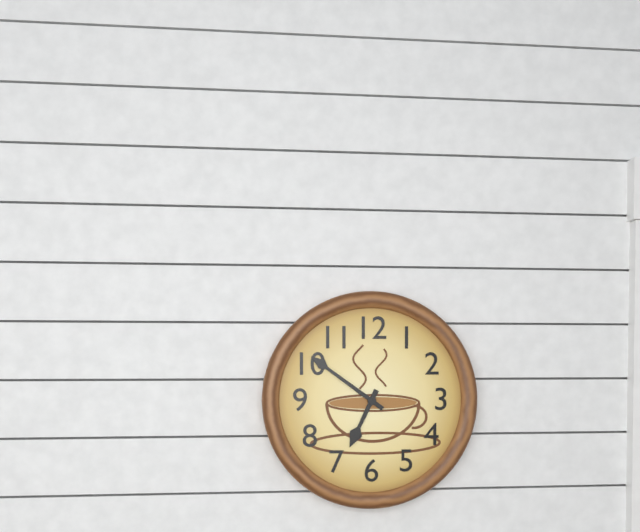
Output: {"hour": 6, "minute": 51}
